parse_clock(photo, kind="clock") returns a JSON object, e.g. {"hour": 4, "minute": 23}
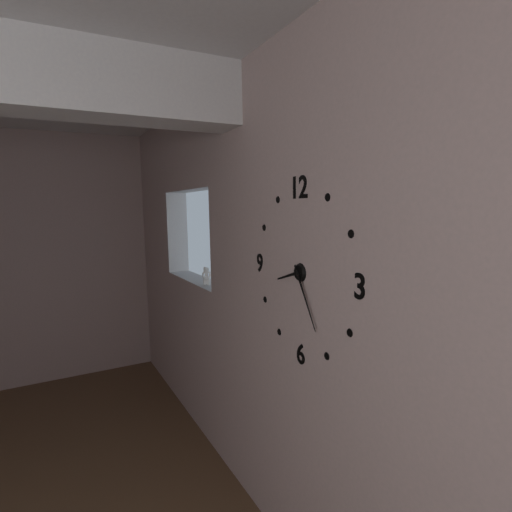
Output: {"hour": 8, "minute": 25}
